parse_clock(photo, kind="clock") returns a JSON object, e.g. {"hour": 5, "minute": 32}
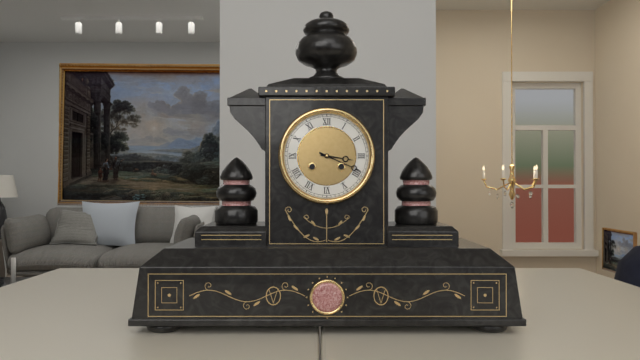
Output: {"hour": 3, "minute": 19}
